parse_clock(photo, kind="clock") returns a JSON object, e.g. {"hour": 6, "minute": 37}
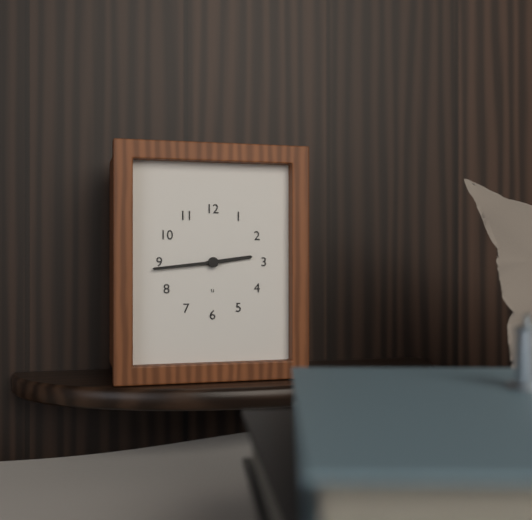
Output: {"hour": 2, "minute": 44}
